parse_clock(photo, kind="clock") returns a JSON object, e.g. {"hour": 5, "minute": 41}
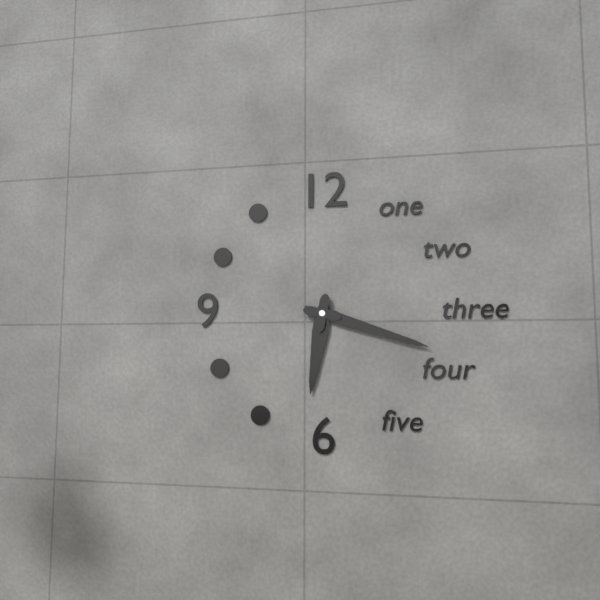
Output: {"hour": 6, "minute": 18}
